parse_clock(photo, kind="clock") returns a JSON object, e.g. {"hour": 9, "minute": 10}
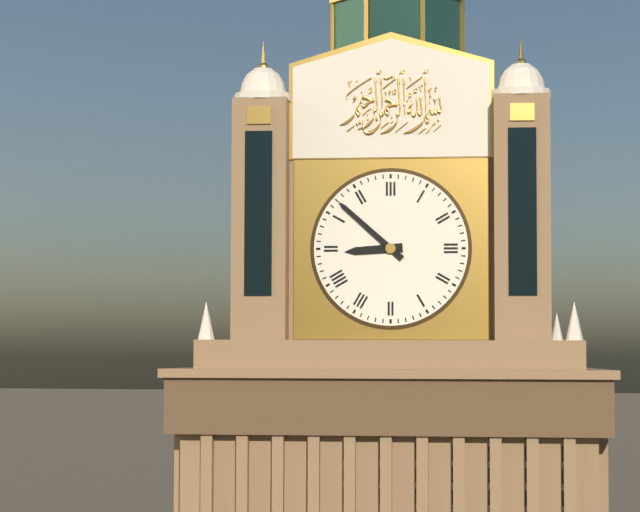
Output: {"hour": 8, "minute": 52}
